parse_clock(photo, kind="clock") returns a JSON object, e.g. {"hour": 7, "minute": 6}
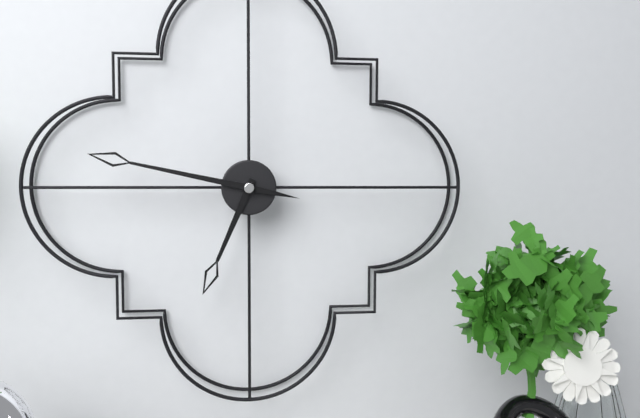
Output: {"hour": 6, "minute": 47}
